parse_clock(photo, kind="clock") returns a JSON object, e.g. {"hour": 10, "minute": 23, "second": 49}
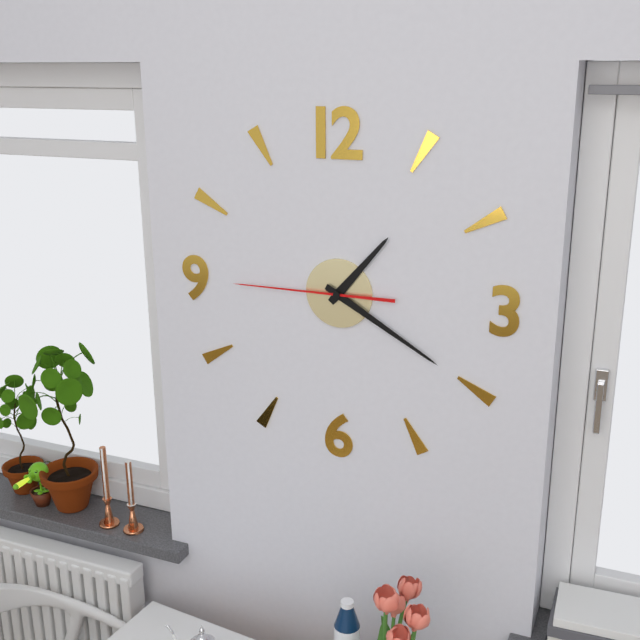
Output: {"hour": 1, "minute": 20, "second": 45}
